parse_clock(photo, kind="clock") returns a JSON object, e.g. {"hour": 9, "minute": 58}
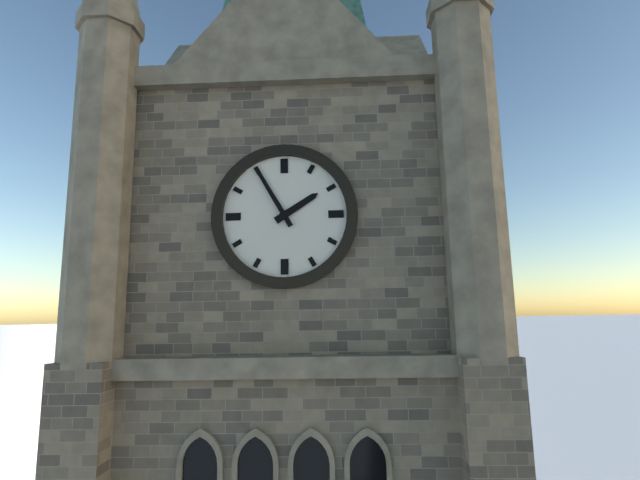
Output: {"hour": 1, "minute": 55}
